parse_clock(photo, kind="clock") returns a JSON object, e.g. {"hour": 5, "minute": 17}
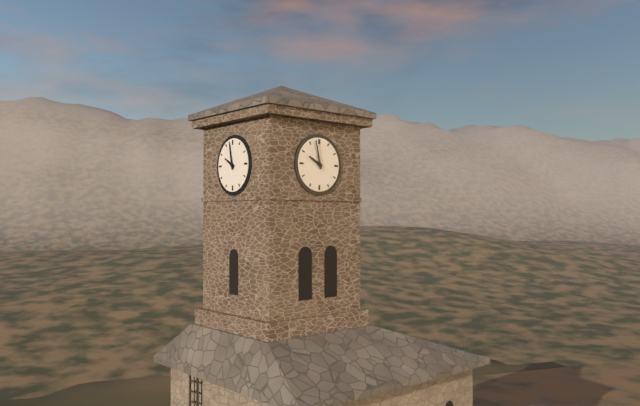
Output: {"hour": 9, "minute": 58}
